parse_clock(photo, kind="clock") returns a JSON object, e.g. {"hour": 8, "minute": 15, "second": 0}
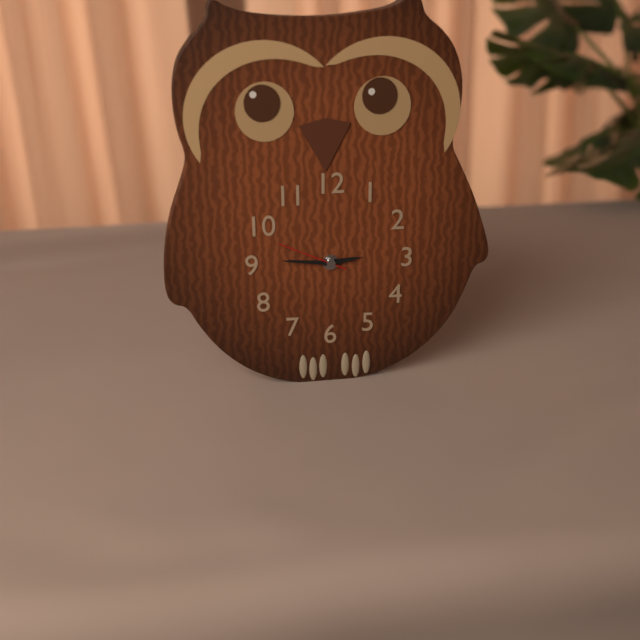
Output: {"hour": 2, "minute": 46, "second": 49}
